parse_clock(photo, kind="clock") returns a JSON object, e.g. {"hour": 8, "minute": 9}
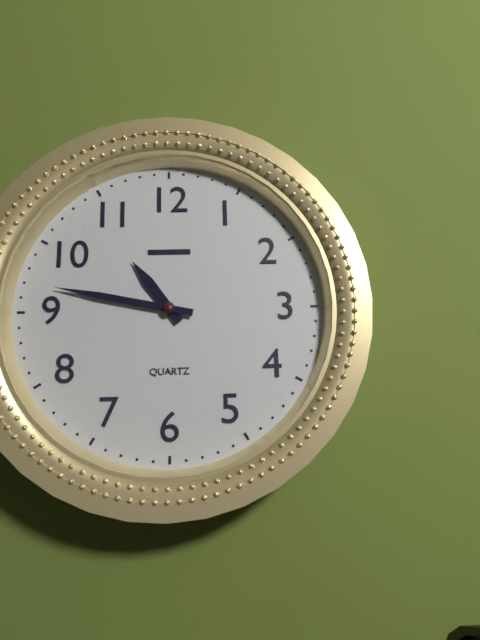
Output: {"hour": 10, "minute": 47}
